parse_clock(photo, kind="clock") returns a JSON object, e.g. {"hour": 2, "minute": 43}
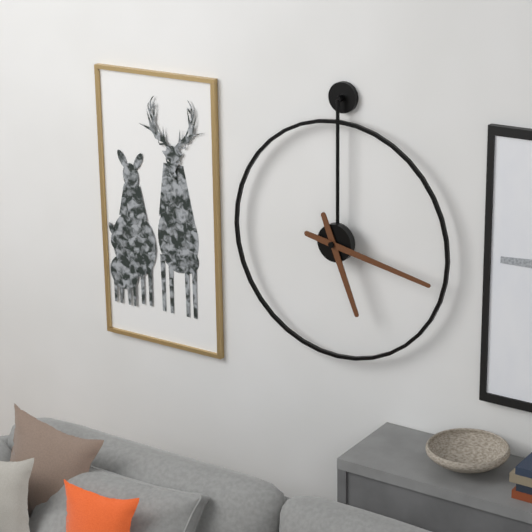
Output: {"hour": 5, "minute": 17}
